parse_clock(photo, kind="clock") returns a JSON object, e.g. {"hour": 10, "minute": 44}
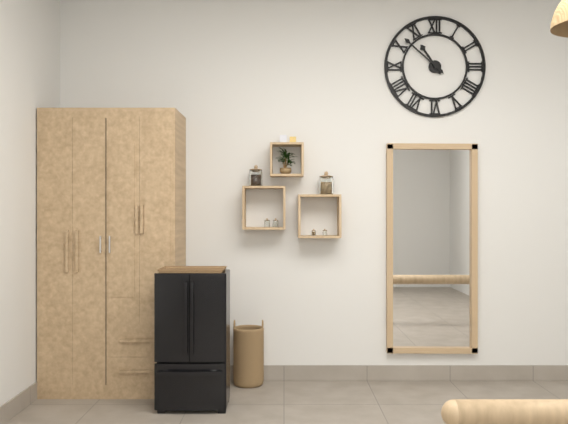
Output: {"hour": 10, "minute": 52}
